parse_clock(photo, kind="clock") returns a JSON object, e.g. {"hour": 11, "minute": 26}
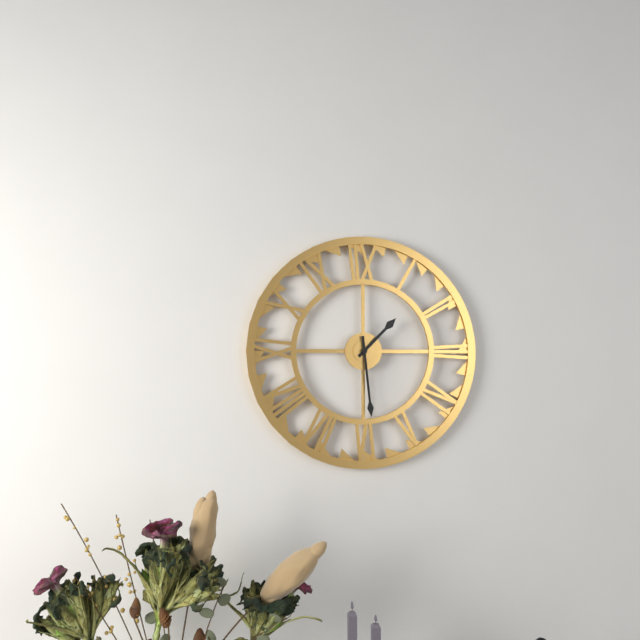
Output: {"hour": 1, "minute": 29}
